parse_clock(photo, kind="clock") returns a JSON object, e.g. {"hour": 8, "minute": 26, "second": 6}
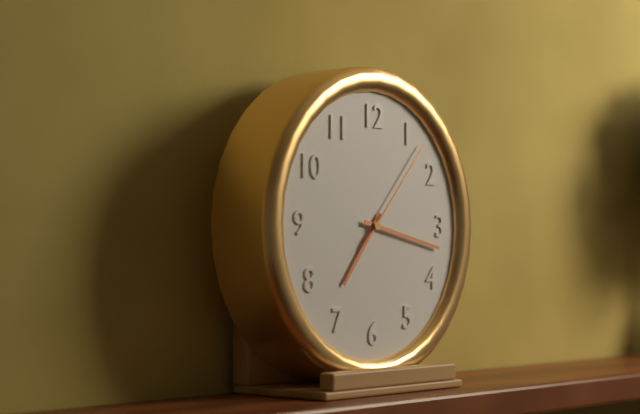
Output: {"hour": 7, "minute": 17, "second": 7}
